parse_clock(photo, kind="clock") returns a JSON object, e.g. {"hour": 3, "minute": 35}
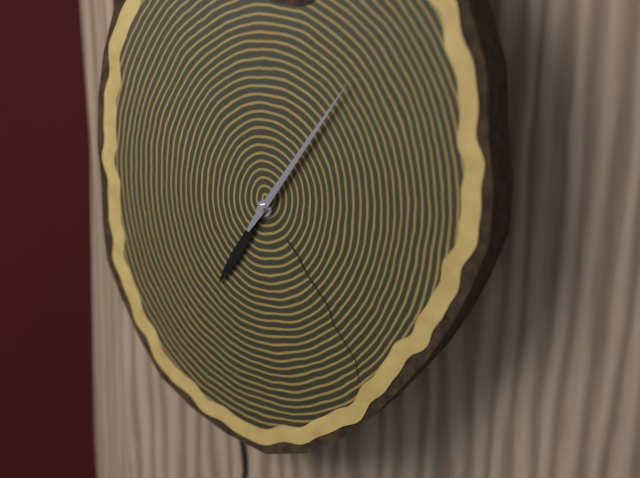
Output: {"hour": 7, "minute": 6}
